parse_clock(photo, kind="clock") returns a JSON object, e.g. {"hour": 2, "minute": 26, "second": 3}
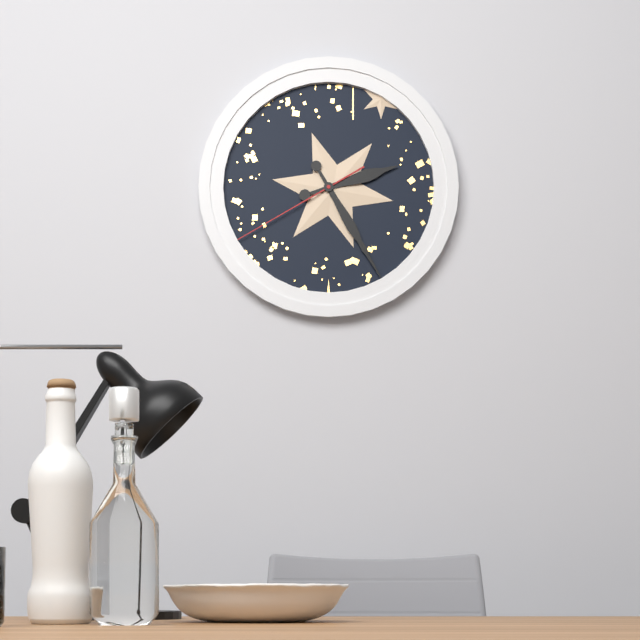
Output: {"hour": 2, "minute": 25, "second": 40}
